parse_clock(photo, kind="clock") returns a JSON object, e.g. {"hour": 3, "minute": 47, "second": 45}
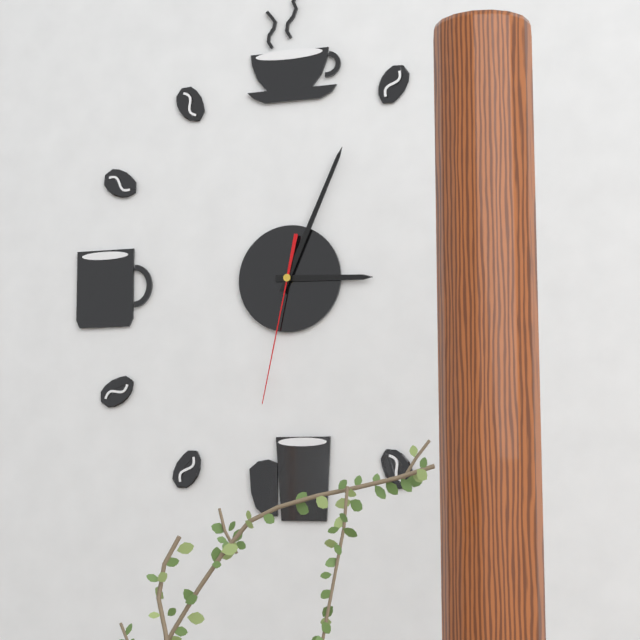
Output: {"hour": 3, "minute": 4, "second": 32}
